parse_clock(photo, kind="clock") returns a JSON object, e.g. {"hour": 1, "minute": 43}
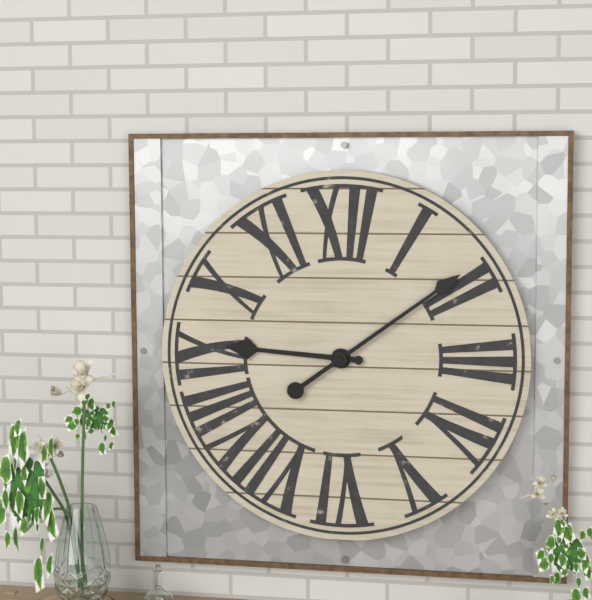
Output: {"hour": 9, "minute": 9}
